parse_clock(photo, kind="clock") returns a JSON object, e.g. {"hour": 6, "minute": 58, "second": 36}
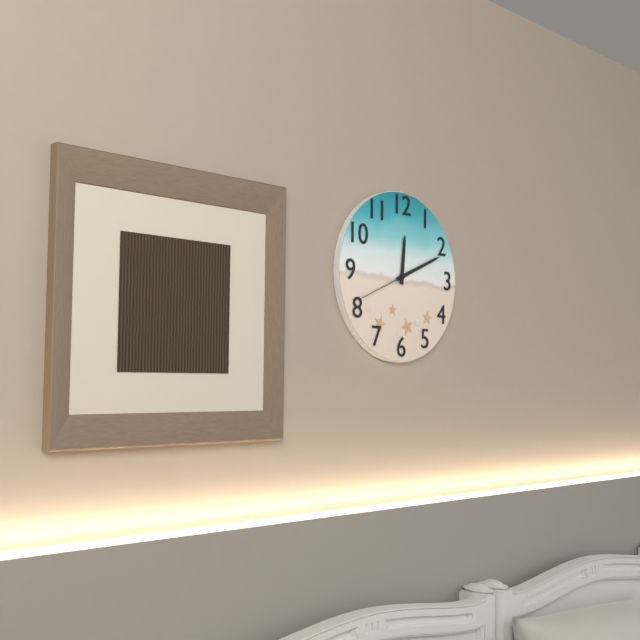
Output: {"hour": 12, "minute": 11, "second": 41}
